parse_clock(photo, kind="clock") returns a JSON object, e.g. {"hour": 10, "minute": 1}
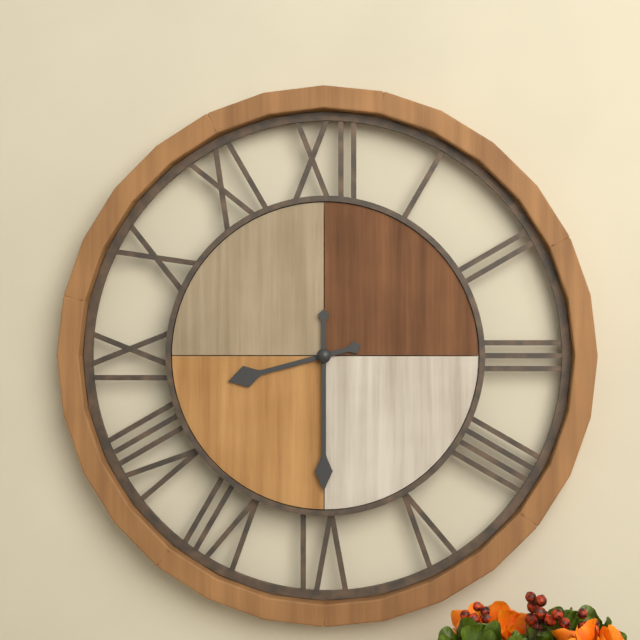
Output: {"hour": 8, "minute": 30}
